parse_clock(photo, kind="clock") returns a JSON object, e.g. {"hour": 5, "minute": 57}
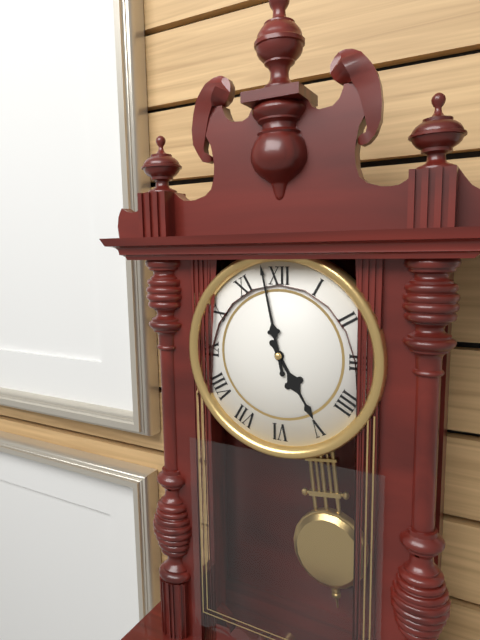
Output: {"hour": 4, "minute": 58}
